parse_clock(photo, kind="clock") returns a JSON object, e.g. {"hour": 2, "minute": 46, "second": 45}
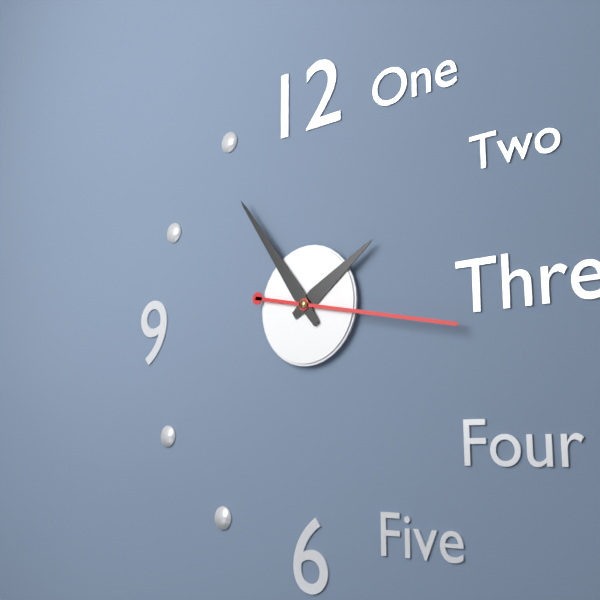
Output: {"hour": 1, "minute": 54, "second": 17}
